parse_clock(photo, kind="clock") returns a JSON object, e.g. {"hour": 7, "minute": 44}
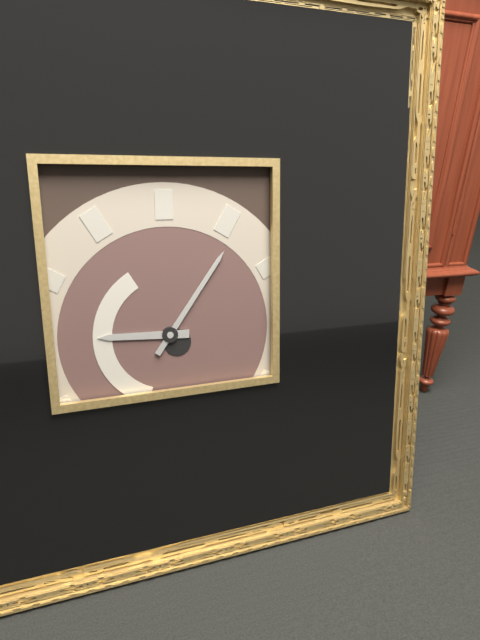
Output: {"hour": 9, "minute": 6}
